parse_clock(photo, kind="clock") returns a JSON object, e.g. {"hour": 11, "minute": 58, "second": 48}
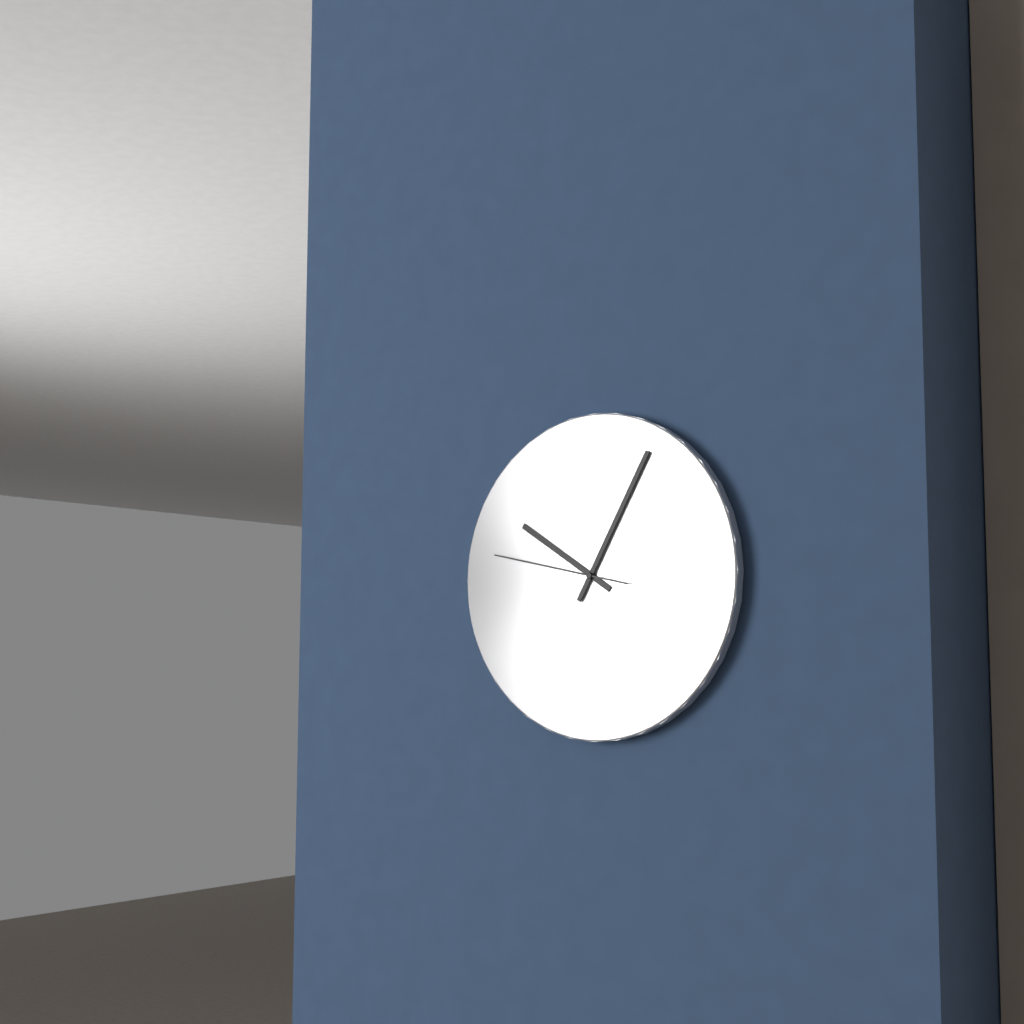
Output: {"hour": 10, "minute": 5, "second": 47}
